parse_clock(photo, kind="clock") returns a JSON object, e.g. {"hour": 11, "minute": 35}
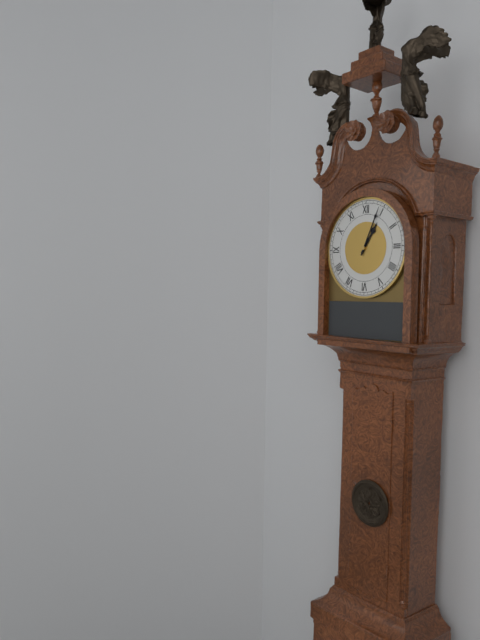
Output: {"hour": 1, "minute": 4}
